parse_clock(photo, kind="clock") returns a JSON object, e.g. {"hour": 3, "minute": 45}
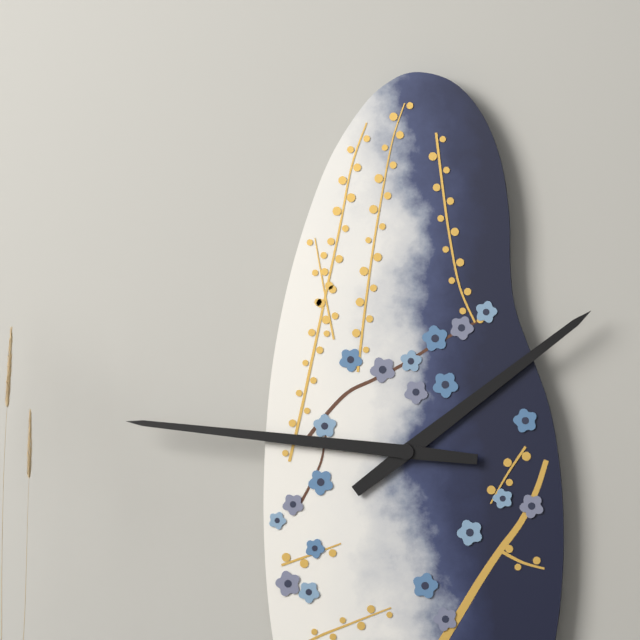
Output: {"hour": 1, "minute": 46}
